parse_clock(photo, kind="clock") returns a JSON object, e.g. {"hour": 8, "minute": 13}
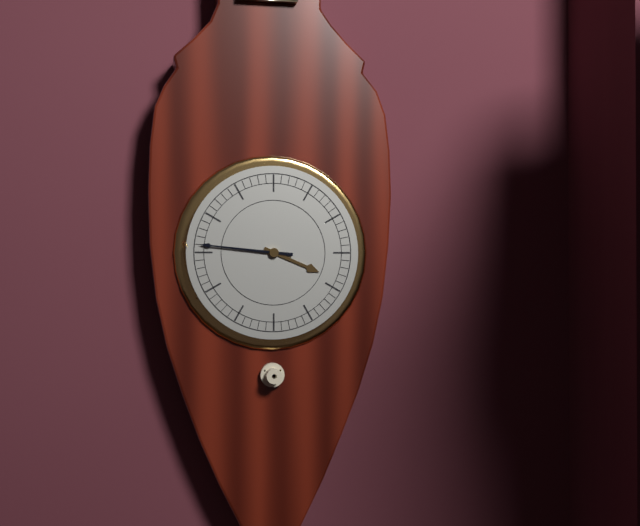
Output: {"hour": 3, "minute": 46}
